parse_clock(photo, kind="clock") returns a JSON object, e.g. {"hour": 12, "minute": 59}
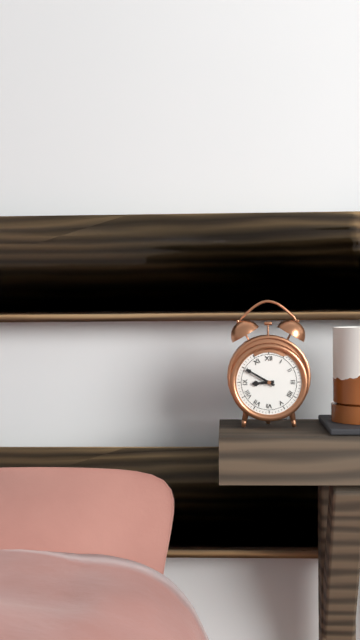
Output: {"hour": 8, "minute": 50}
